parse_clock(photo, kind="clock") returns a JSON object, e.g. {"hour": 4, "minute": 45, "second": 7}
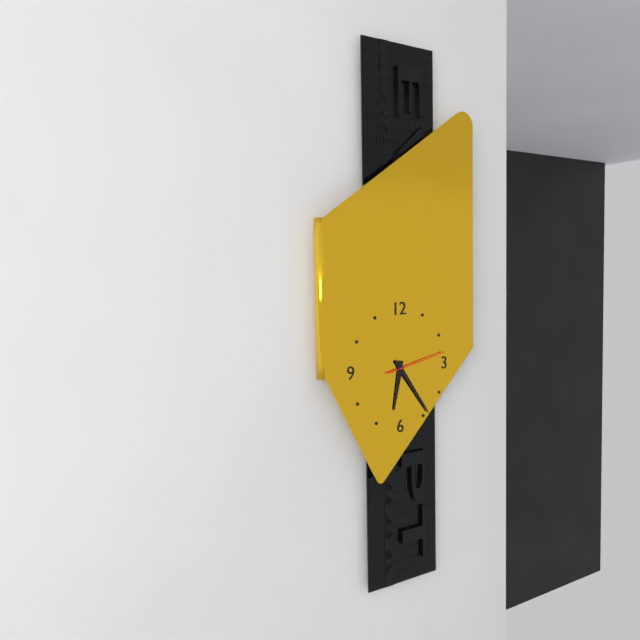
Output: {"hour": 6, "minute": 24, "second": 13}
